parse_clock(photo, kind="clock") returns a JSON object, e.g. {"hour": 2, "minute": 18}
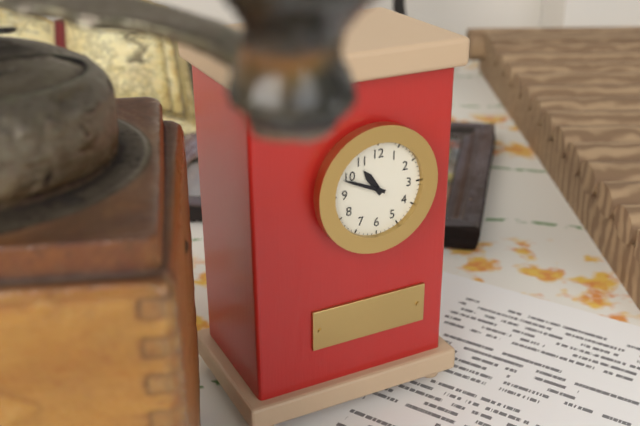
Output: {"hour": 10, "minute": 49}
